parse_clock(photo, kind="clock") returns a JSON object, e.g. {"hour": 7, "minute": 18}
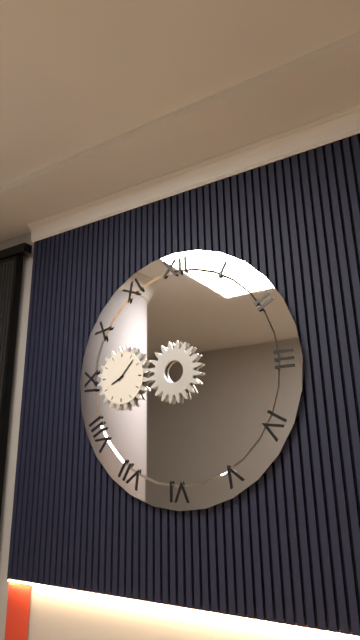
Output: {"hour": 8, "minute": 7}
